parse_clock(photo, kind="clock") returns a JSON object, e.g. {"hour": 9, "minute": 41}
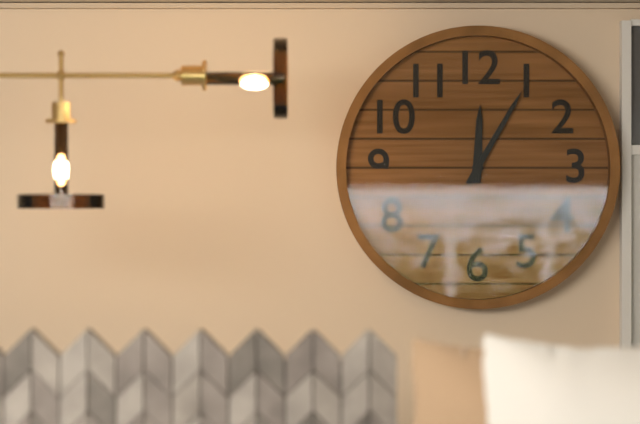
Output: {"hour": 12, "minute": 5}
